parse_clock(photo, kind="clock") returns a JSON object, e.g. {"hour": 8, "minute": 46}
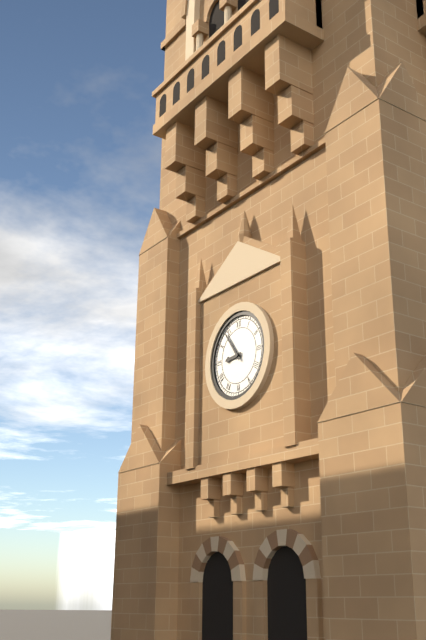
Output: {"hour": 8, "minute": 54}
